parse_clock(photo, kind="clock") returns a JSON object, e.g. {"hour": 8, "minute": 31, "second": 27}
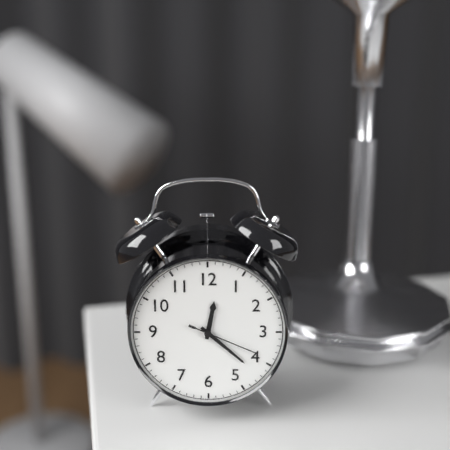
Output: {"hour": 12, "minute": 22, "second": 19}
